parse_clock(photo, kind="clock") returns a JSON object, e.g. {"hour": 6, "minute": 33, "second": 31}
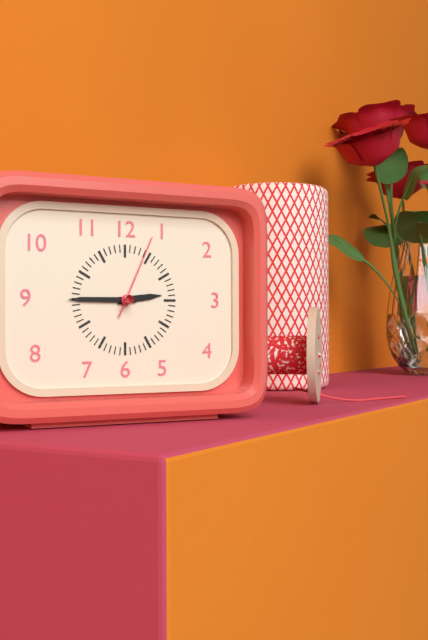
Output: {"hour": 2, "minute": 45, "second": 4}
